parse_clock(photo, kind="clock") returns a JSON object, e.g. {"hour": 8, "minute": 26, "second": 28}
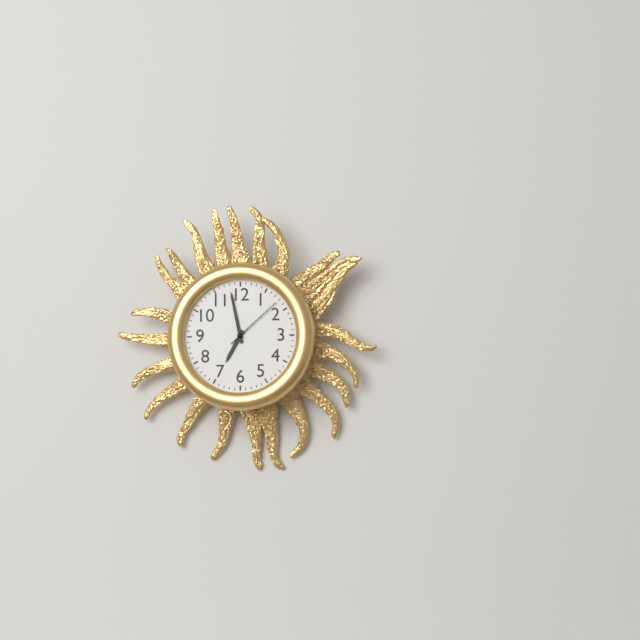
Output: {"hour": 6, "minute": 58, "second": 8}
